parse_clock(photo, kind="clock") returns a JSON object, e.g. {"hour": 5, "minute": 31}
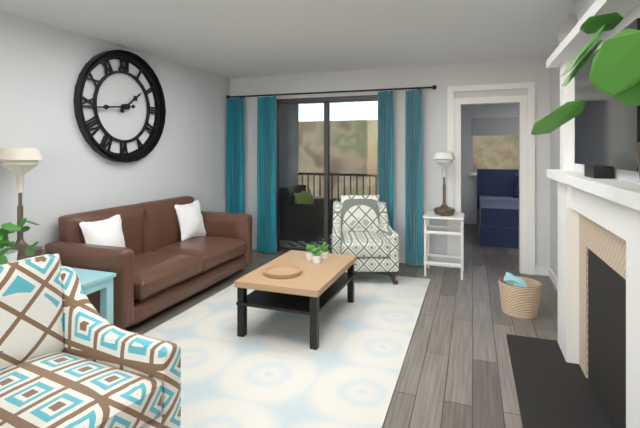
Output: {"hour": 1, "minute": 44}
